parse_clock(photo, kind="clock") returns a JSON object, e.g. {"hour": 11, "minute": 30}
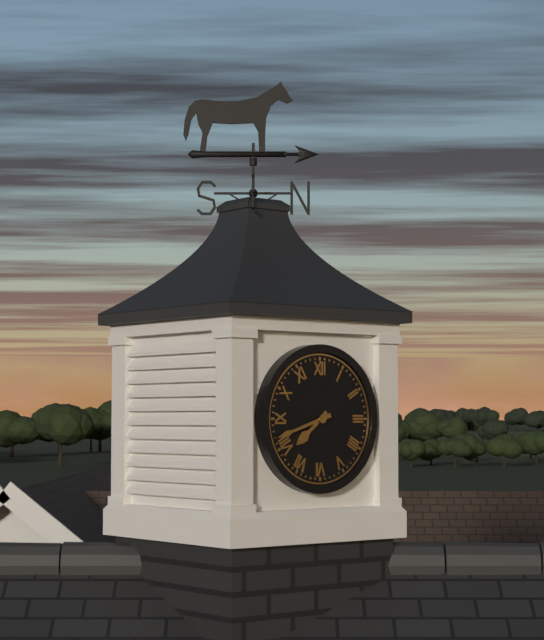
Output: {"hour": 7, "minute": 42}
